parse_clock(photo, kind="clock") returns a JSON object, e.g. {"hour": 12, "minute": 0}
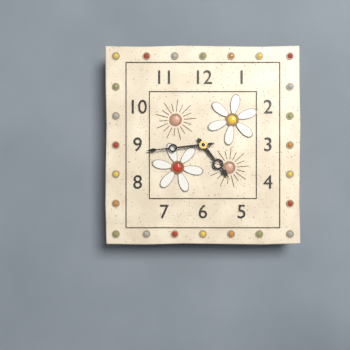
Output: {"hour": 4, "minute": 44}
